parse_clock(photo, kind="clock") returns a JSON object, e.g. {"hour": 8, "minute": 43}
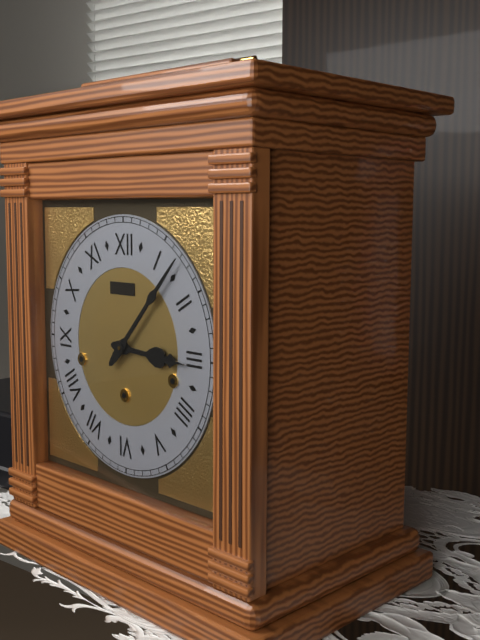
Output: {"hour": 3, "minute": 7}
